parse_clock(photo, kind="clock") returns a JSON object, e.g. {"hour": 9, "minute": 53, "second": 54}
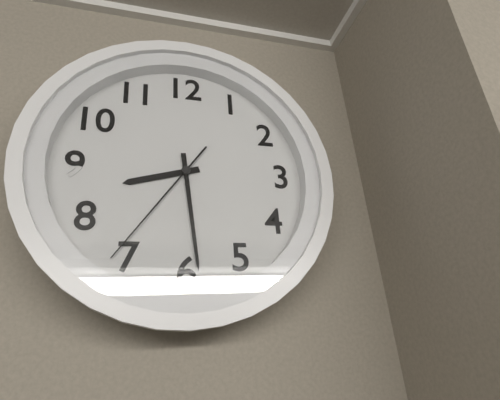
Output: {"hour": 8, "minute": 29, "second": 36}
